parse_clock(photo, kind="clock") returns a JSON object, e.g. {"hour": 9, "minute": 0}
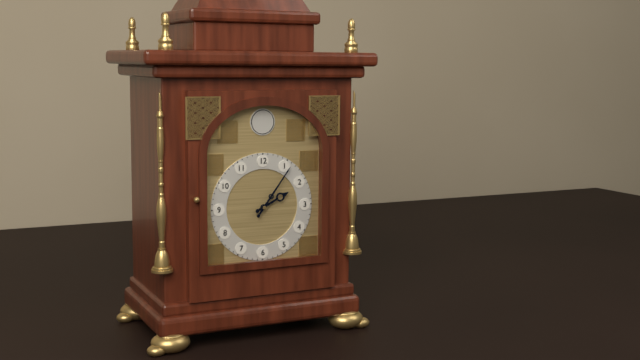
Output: {"hour": 2, "minute": 6}
